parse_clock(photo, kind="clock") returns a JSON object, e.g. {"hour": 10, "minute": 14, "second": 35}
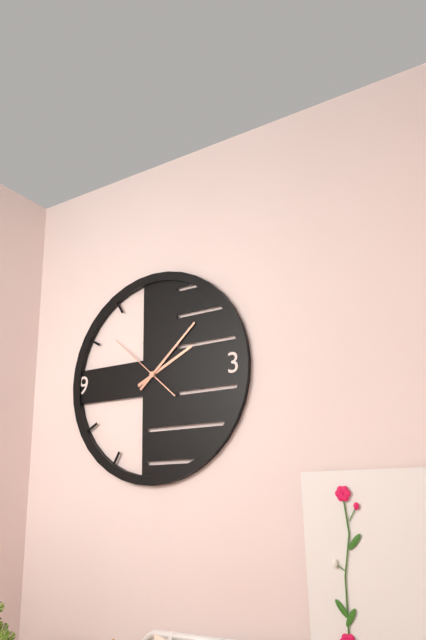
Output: {"hour": 2, "minute": 8, "second": 52}
